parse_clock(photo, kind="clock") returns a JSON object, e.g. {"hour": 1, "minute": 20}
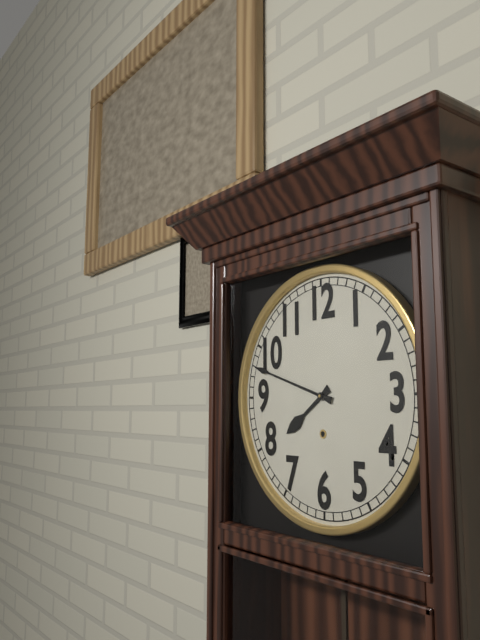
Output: {"hour": 7, "minute": 48}
